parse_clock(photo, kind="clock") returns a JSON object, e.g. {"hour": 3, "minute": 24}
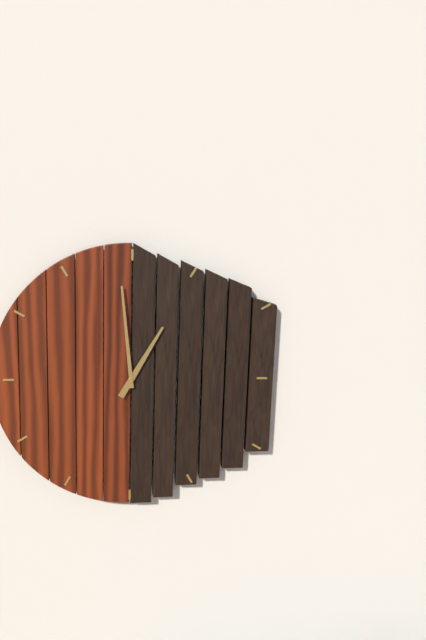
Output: {"hour": 12, "minute": 59}
